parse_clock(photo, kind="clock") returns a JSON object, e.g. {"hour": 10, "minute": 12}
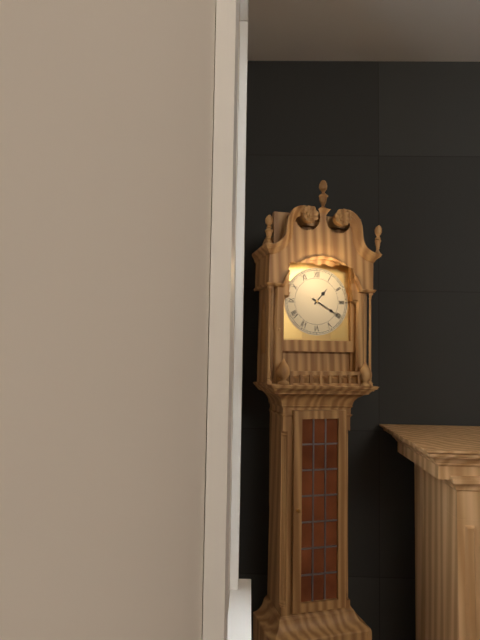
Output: {"hour": 1, "minute": 20}
